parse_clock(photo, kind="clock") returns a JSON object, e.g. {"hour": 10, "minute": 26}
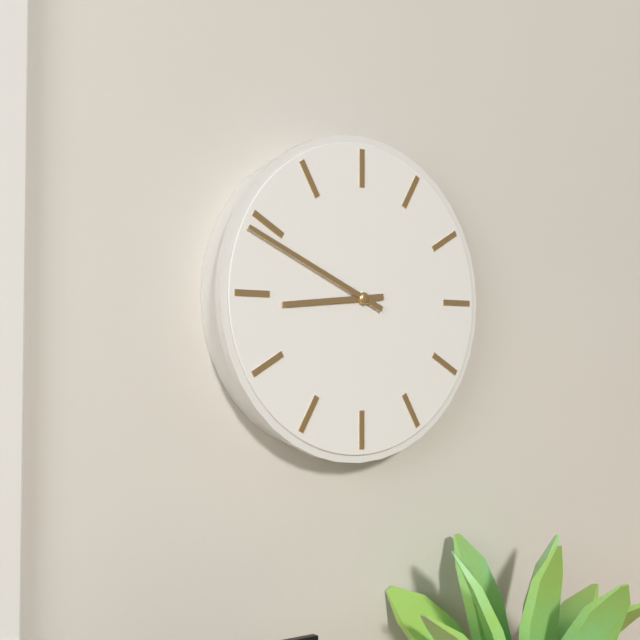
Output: {"hour": 8, "minute": 49}
